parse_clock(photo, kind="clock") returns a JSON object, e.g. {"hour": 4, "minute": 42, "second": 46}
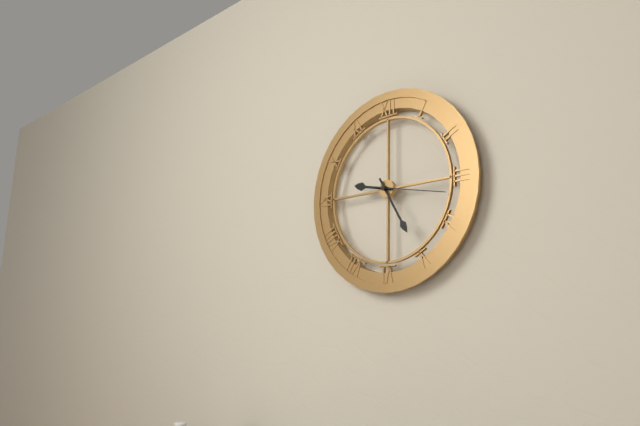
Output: {"hour": 9, "minute": 25, "second": 17}
